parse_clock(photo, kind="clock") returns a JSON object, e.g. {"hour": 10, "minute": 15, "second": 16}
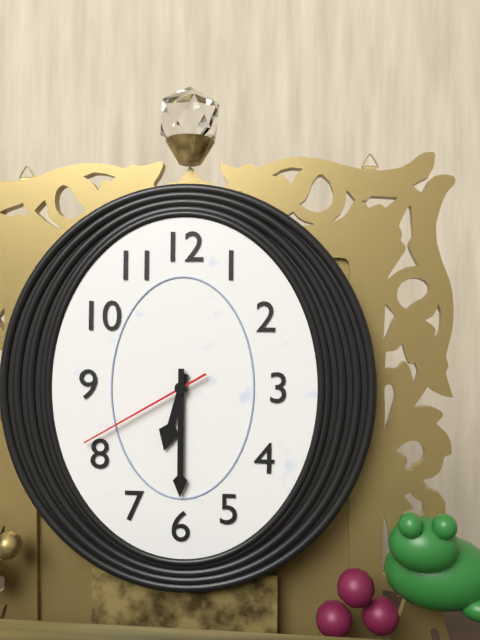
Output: {"hour": 6, "minute": 30, "second": 40}
